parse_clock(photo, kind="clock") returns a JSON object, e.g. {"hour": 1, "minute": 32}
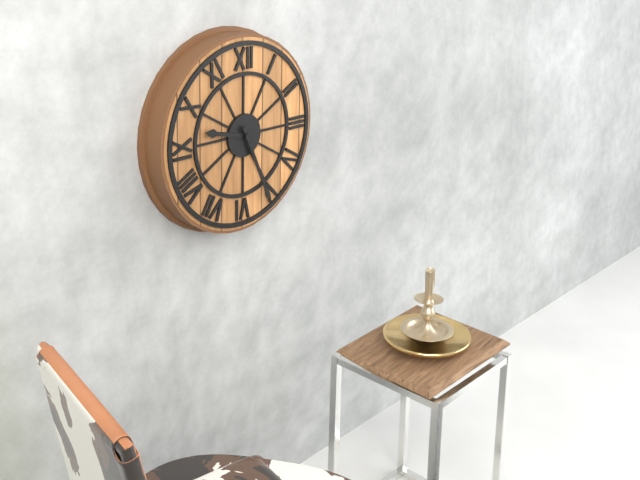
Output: {"hour": 9, "minute": 26}
